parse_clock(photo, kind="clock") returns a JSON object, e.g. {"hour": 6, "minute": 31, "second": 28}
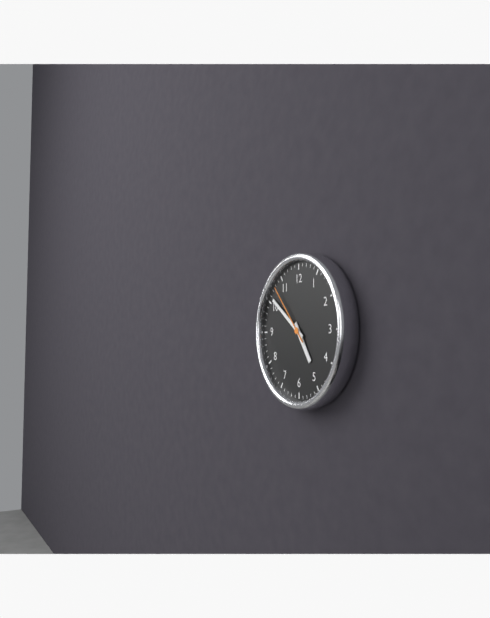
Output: {"hour": 4, "minute": 51, "second": 53}
